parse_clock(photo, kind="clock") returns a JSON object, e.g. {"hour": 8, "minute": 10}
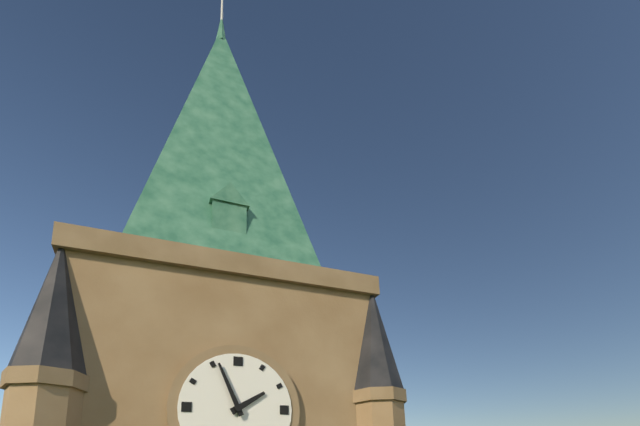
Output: {"hour": 1, "minute": 56}
